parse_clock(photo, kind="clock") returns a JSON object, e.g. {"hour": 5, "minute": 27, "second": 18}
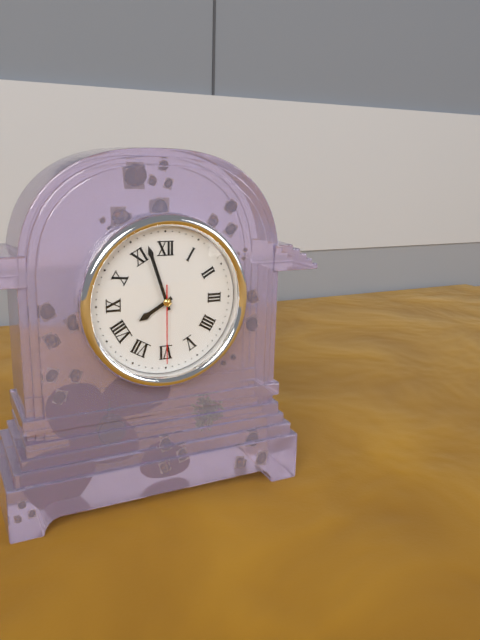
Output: {"hour": 7, "minute": 57, "second": 30}
